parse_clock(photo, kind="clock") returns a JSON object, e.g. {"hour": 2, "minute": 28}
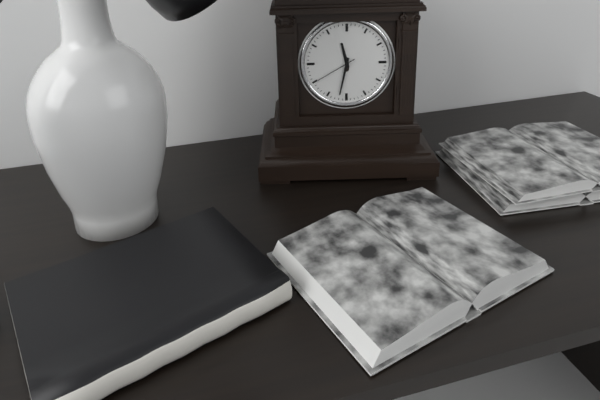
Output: {"hour": 11, "minute": 32}
